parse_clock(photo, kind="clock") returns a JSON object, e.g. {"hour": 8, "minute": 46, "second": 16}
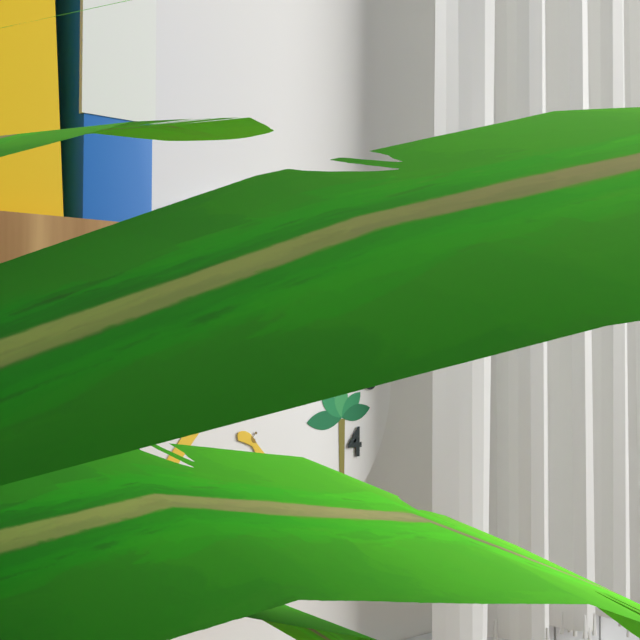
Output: {"hour": 2, "minute": 58, "second": 12}
